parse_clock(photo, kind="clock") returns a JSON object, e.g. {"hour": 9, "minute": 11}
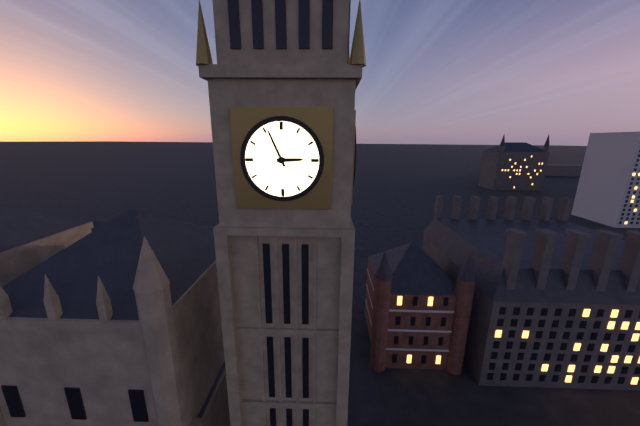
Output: {"hour": 2, "minute": 56}
